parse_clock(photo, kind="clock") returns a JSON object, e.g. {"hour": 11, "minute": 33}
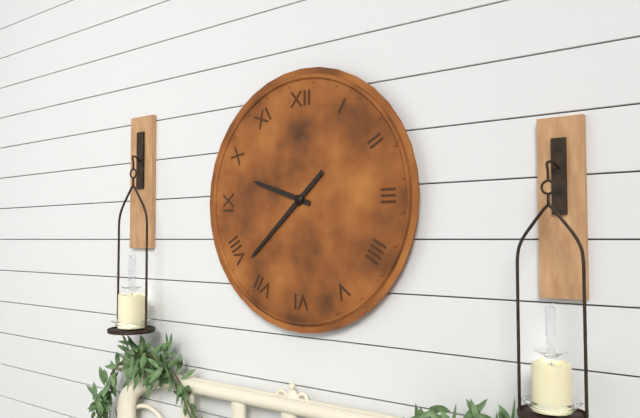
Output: {"hour": 9, "minute": 38}
